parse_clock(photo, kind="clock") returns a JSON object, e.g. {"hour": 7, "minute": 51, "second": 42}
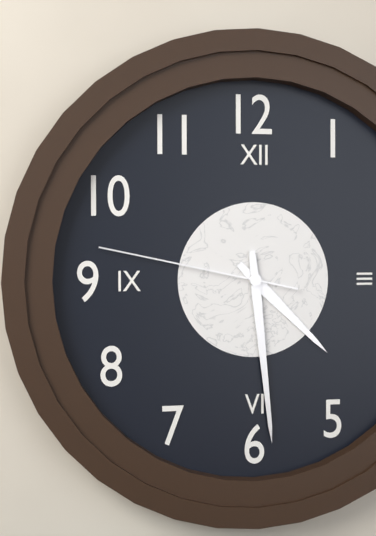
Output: {"hour": 4, "minute": 29, "second": 47}
